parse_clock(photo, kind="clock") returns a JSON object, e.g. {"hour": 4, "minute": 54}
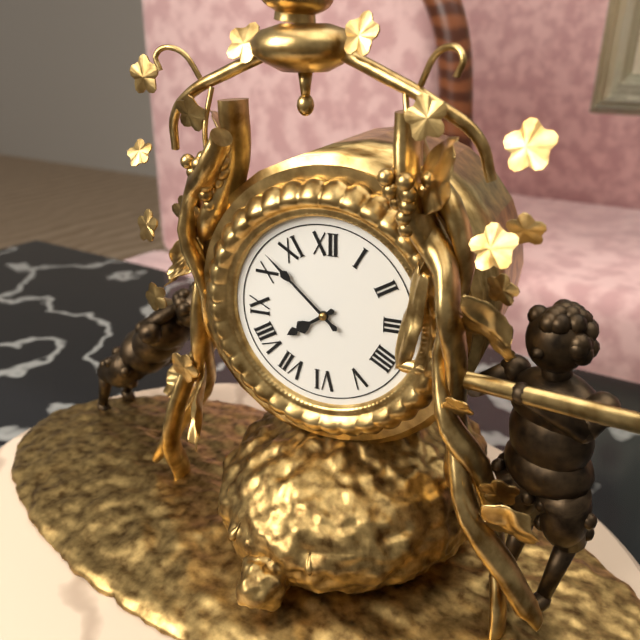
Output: {"hour": 7, "minute": 52}
